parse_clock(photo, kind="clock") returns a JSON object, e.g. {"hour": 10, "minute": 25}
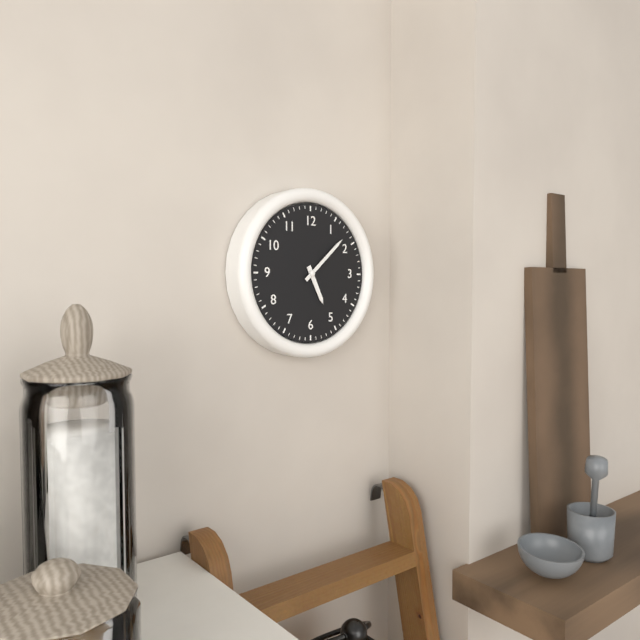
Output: {"hour": 5, "minute": 8}
